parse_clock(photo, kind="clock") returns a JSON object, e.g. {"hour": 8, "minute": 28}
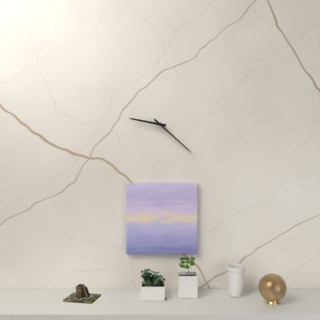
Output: {"hour": 9, "minute": 22}
